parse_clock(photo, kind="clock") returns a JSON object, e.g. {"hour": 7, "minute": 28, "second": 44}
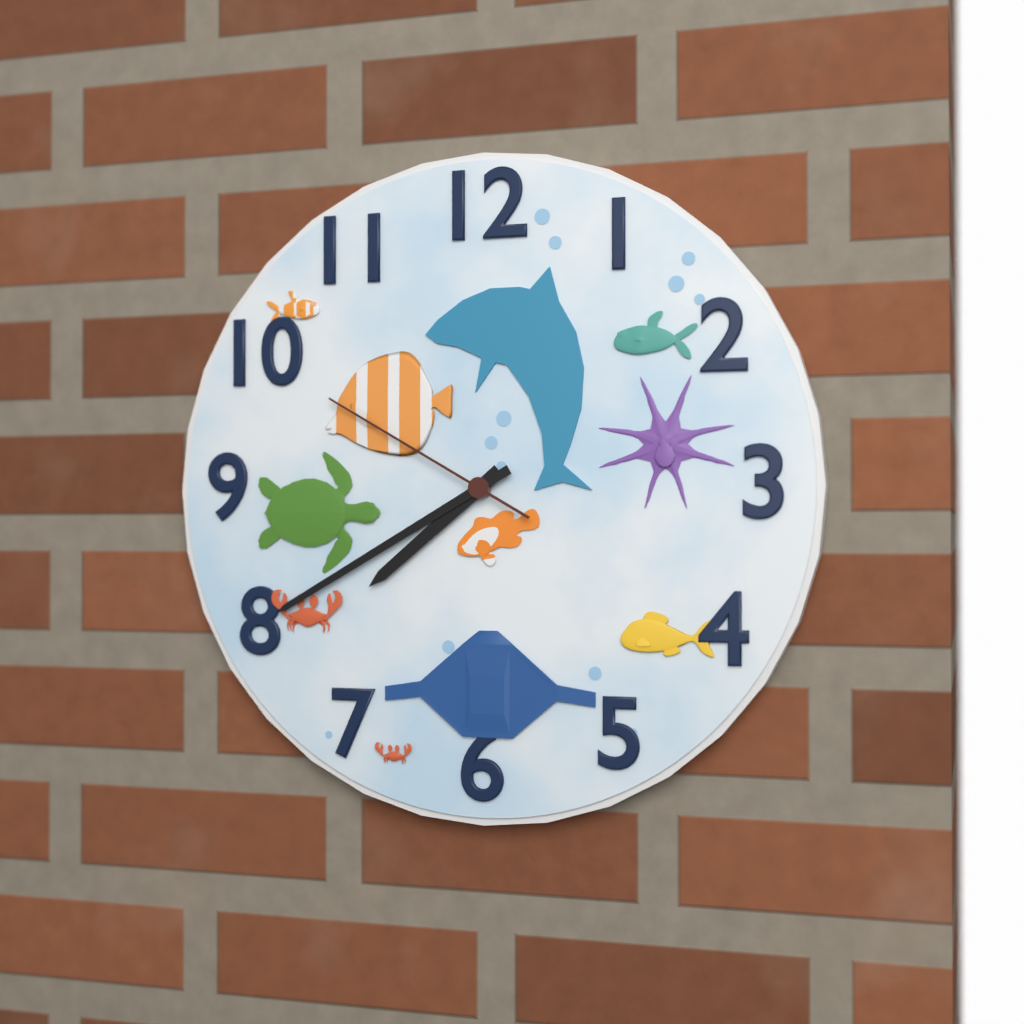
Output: {"hour": 7, "minute": 40, "second": 50}
